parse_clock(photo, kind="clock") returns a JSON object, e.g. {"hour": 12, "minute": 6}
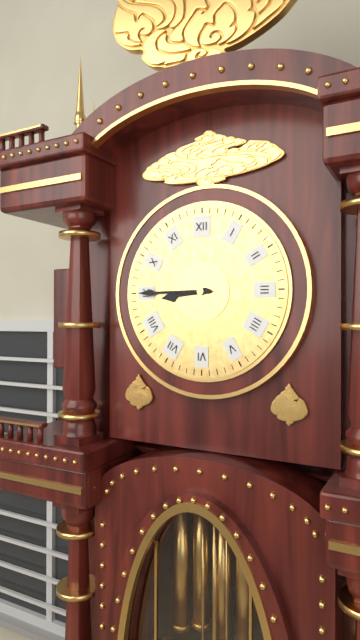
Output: {"hour": 8, "minute": 45}
